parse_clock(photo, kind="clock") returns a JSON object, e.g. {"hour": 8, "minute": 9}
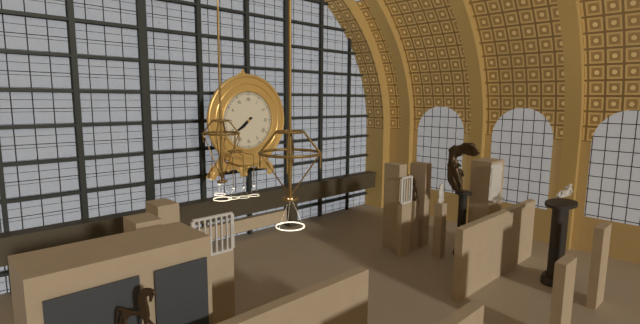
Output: {"hour": 7, "minute": 39}
